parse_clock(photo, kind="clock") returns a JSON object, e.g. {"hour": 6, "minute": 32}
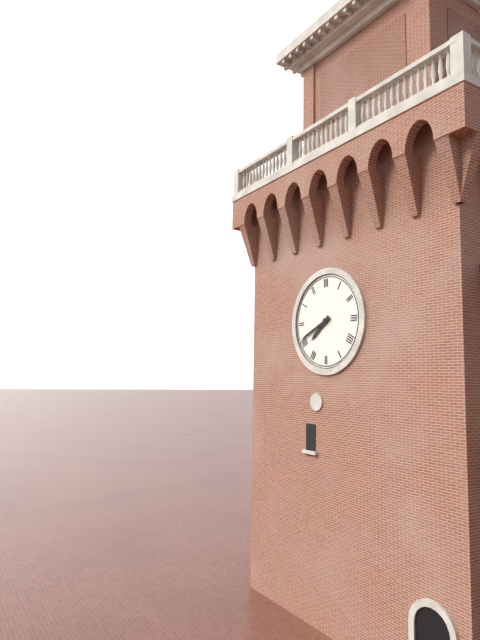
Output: {"hour": 7, "minute": 41}
